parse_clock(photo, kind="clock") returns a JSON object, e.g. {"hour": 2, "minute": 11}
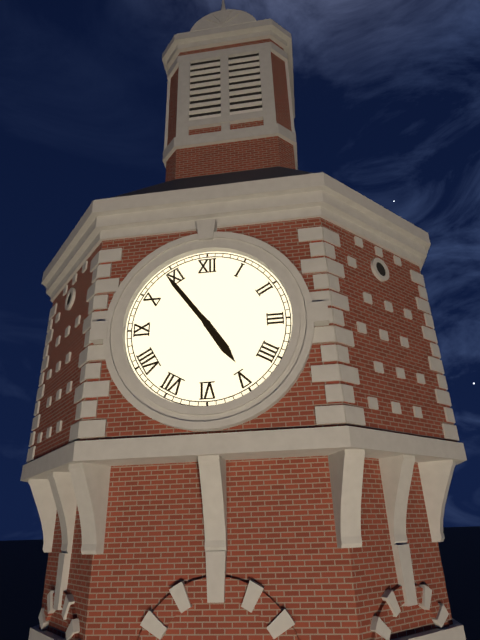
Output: {"hour": 4, "minute": 54}
